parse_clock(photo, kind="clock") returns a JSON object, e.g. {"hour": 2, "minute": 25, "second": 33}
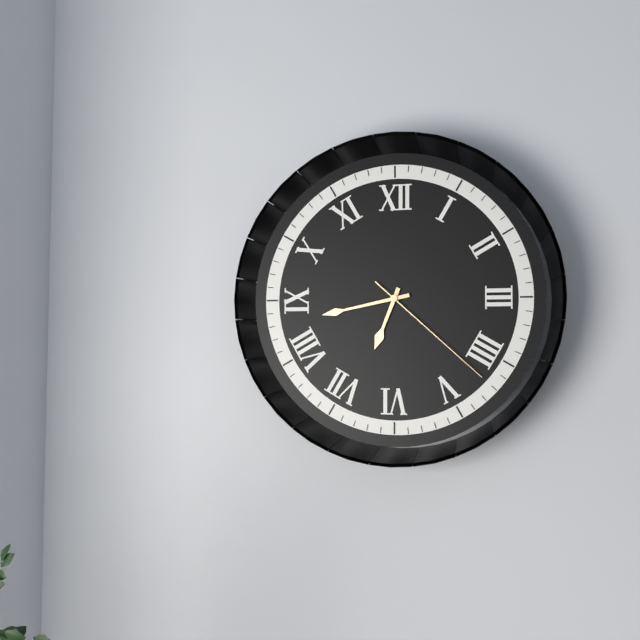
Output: {"hour": 6, "minute": 43, "second": 22}
